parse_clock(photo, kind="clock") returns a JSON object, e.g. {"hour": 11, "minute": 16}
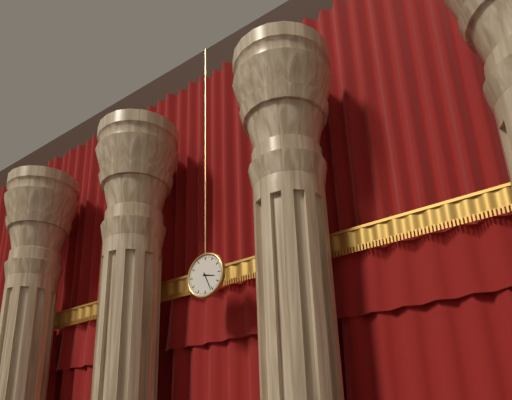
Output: {"hour": 3, "minute": 26}
